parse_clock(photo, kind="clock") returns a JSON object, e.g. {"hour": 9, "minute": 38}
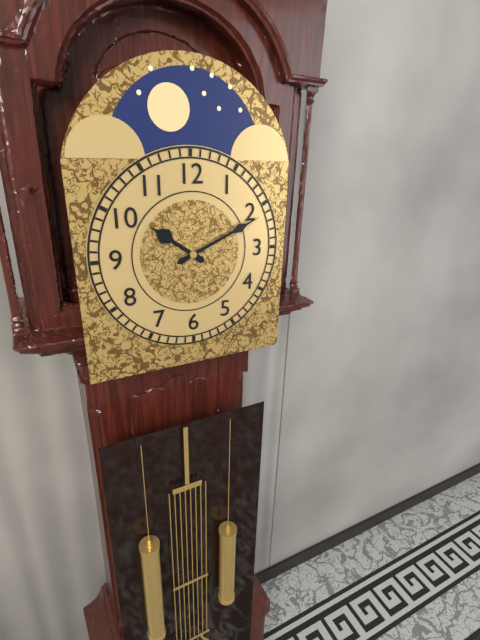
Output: {"hour": 10, "minute": 11}
